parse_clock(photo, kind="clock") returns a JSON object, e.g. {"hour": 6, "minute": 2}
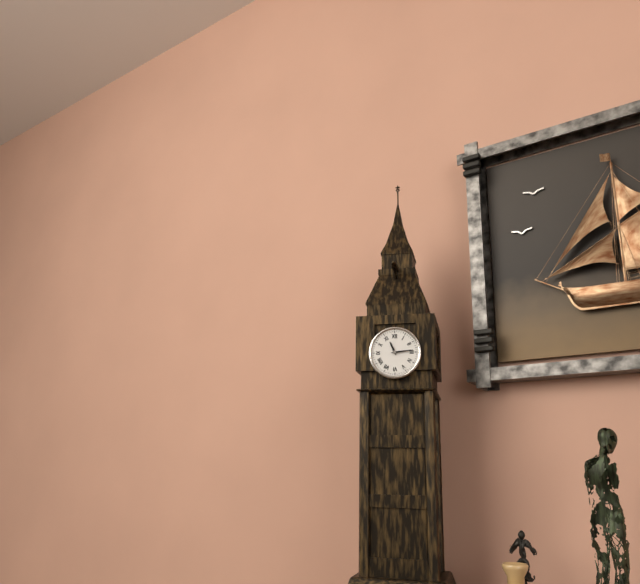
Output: {"hour": 11, "minute": 14}
